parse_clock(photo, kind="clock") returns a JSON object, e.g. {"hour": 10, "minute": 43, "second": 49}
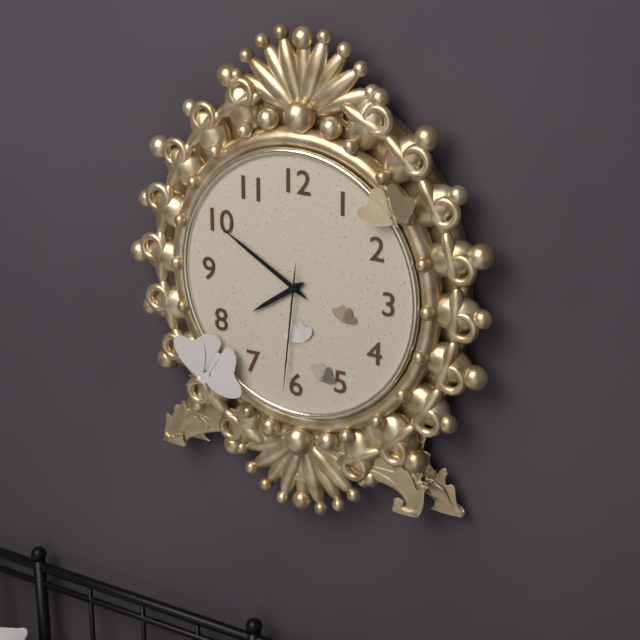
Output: {"hour": 7, "minute": 50, "second": 31}
